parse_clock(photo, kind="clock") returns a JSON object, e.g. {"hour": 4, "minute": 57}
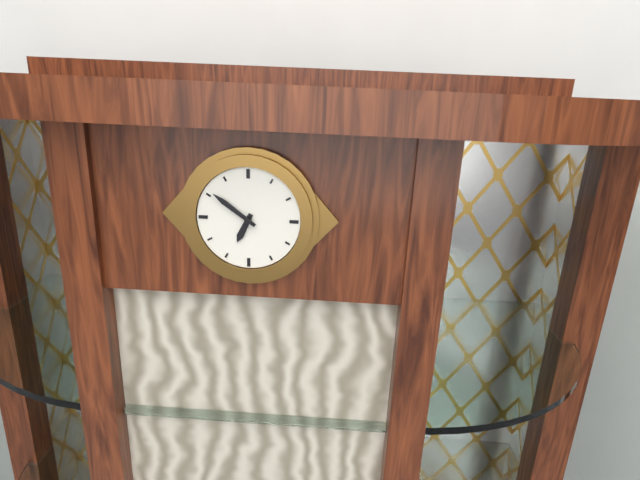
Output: {"hour": 6, "minute": 51}
